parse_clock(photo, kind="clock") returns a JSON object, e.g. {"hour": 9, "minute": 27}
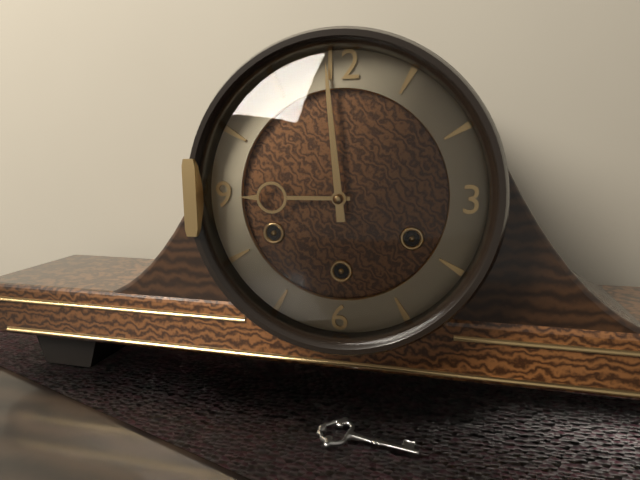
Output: {"hour": 8, "minute": 59}
